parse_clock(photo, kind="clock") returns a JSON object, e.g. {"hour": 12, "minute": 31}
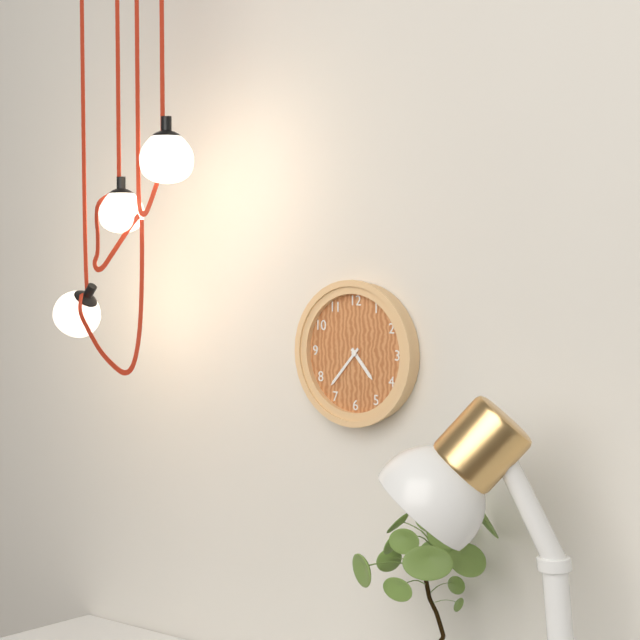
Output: {"hour": 4, "minute": 37}
